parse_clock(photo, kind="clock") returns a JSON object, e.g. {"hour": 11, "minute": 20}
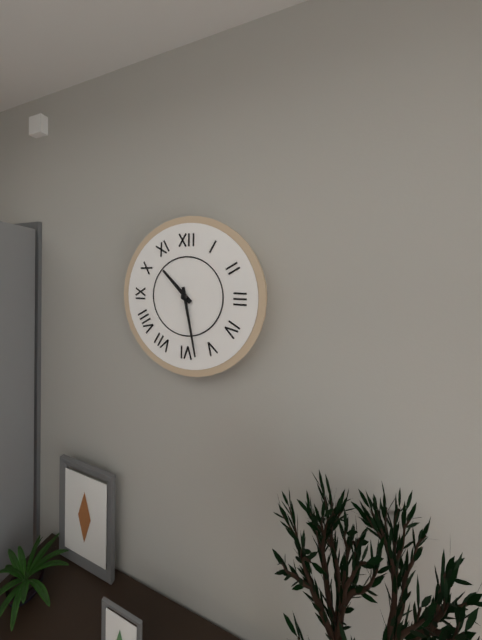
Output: {"hour": 10, "minute": 28}
